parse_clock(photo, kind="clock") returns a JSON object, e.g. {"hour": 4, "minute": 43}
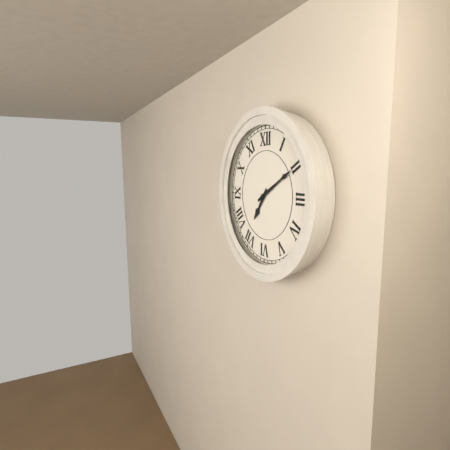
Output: {"hour": 7, "minute": 10}
